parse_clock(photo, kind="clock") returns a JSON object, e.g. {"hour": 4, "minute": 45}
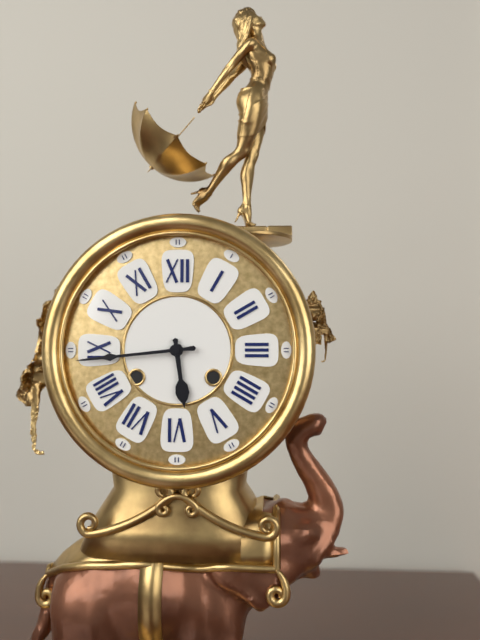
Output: {"hour": 5, "minute": 44}
